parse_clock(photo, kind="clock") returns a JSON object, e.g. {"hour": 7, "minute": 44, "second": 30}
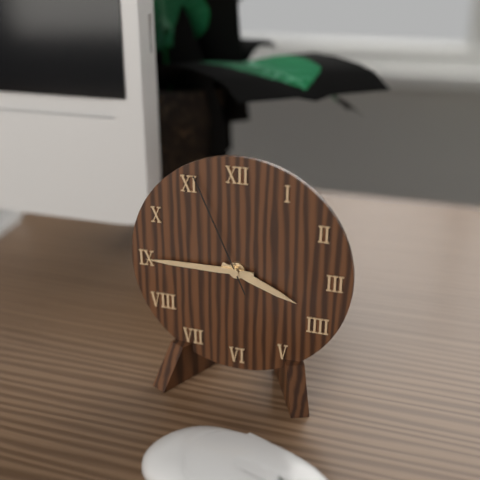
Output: {"hour": 3, "minute": 45, "second": 56}
